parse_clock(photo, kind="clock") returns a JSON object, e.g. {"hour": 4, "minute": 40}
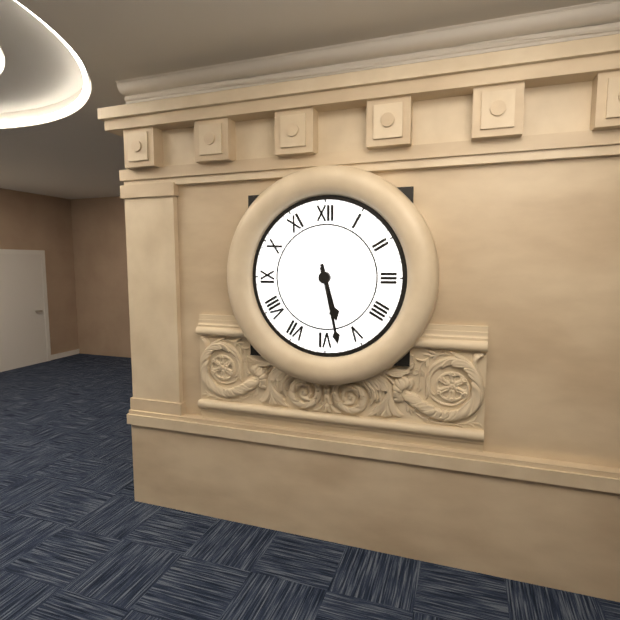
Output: {"hour": 5, "minute": 28}
